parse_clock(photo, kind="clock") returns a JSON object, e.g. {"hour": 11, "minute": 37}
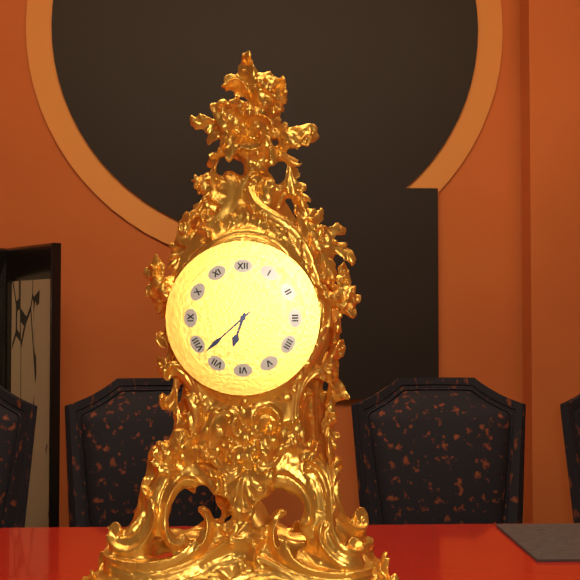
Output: {"hour": 6, "minute": 38}
